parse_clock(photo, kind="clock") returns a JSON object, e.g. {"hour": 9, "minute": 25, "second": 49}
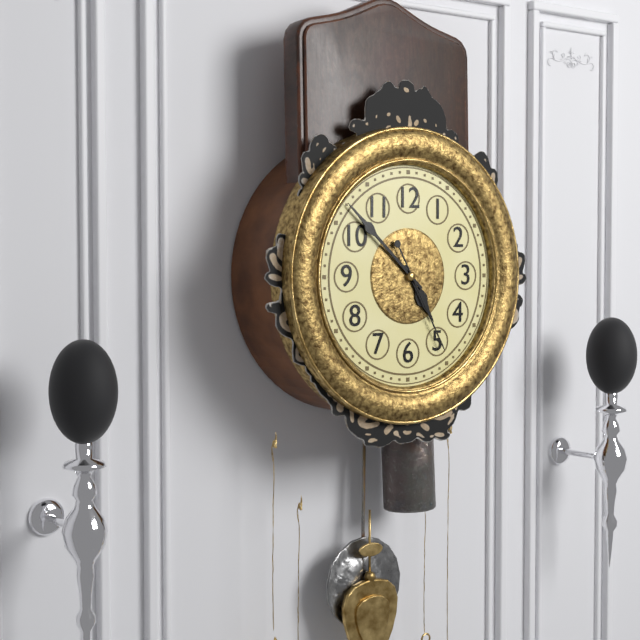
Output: {"hour": 4, "minute": 52, "second": 25}
